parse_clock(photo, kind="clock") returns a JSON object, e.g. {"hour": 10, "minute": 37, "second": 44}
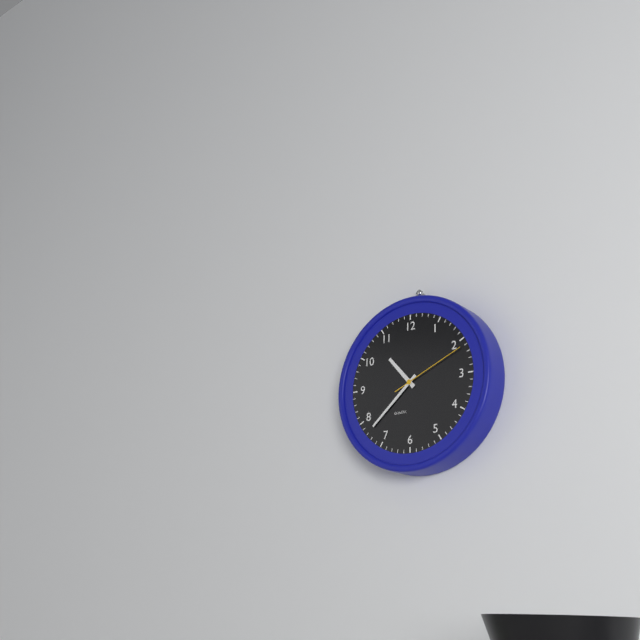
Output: {"hour": 10, "minute": 38, "second": 11}
